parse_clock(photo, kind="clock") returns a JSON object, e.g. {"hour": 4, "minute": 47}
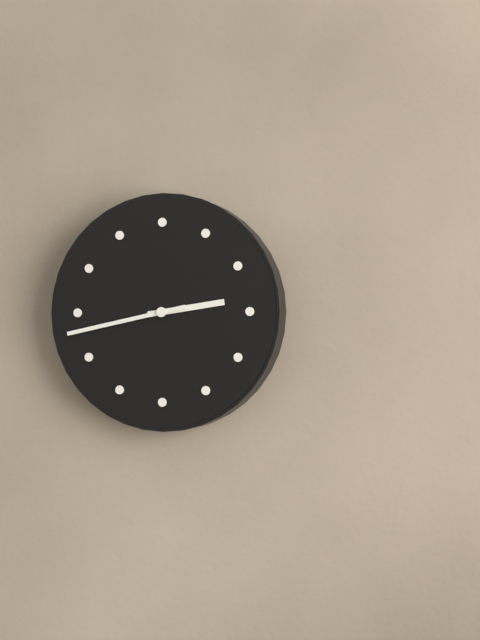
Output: {"hour": 2, "minute": 43}
